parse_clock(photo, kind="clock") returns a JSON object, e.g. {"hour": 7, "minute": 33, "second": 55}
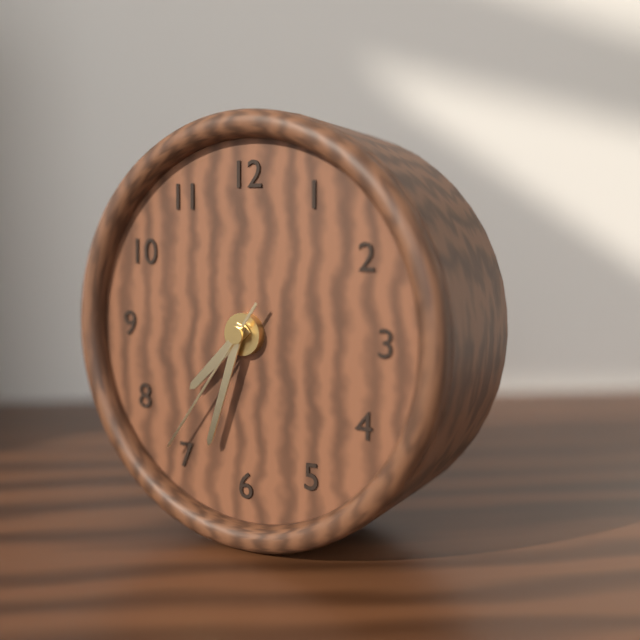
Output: {"hour": 7, "minute": 33, "second": 36}
